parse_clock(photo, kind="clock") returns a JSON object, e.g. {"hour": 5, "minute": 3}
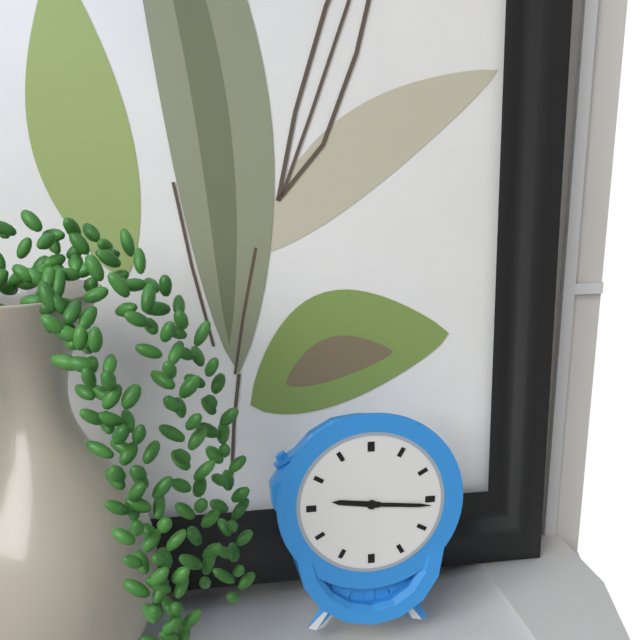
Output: {"hour": 9, "minute": 16}
